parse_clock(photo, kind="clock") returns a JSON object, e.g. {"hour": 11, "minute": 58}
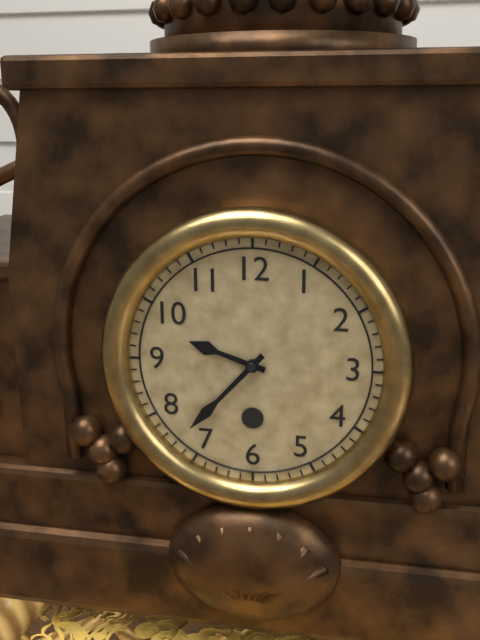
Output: {"hour": 9, "minute": 37}
